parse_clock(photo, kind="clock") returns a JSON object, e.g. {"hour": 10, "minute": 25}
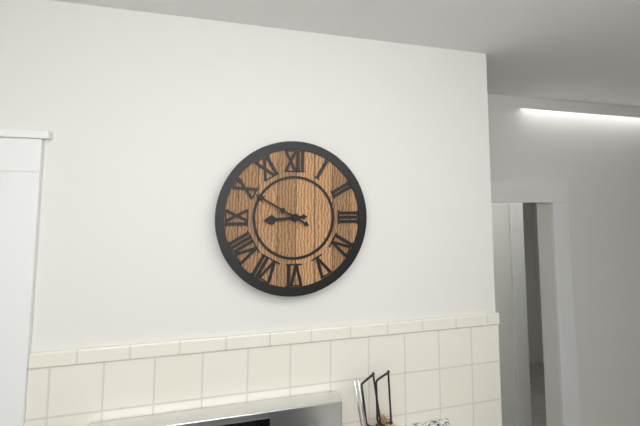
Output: {"hour": 8, "minute": 50}
